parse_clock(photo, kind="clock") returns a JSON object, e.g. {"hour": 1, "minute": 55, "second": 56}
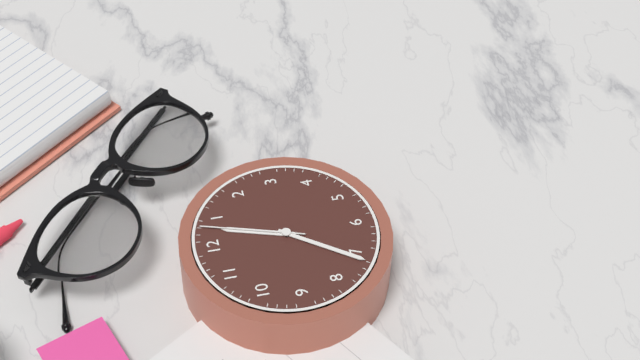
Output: {"hour": 12, "minute": 36, "second": 3}
